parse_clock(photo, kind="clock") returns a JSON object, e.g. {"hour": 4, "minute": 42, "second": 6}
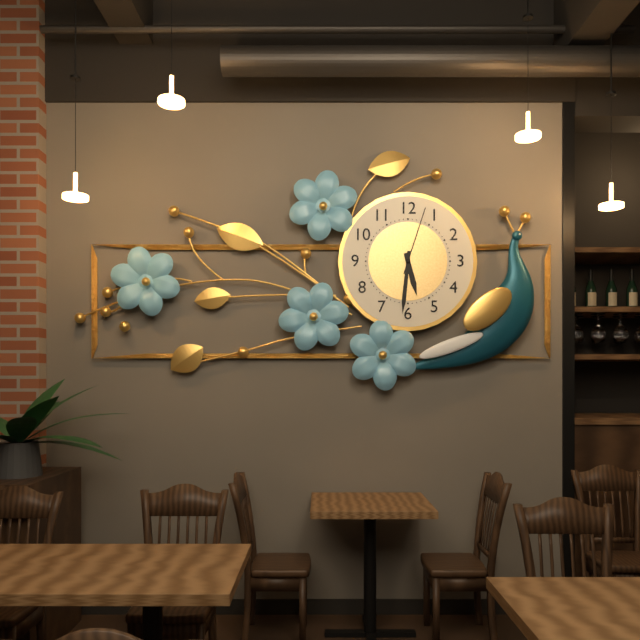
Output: {"hour": 5, "minute": 31, "second": 3}
